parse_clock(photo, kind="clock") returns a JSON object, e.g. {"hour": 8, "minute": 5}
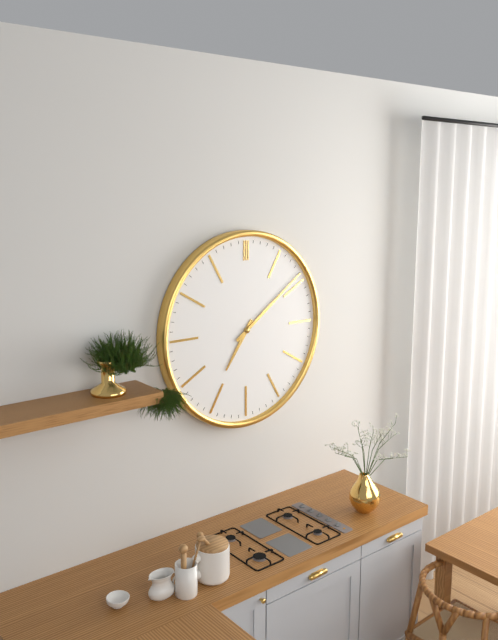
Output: {"hour": 7, "minute": 9}
